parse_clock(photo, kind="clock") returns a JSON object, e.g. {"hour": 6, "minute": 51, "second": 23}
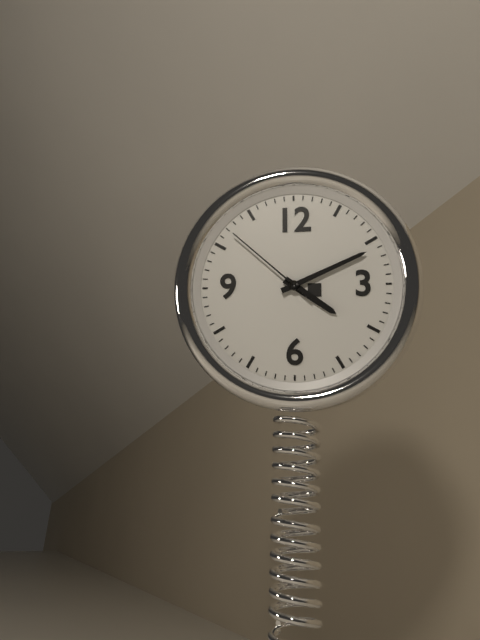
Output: {"hour": 4, "minute": 11, "second": 52}
